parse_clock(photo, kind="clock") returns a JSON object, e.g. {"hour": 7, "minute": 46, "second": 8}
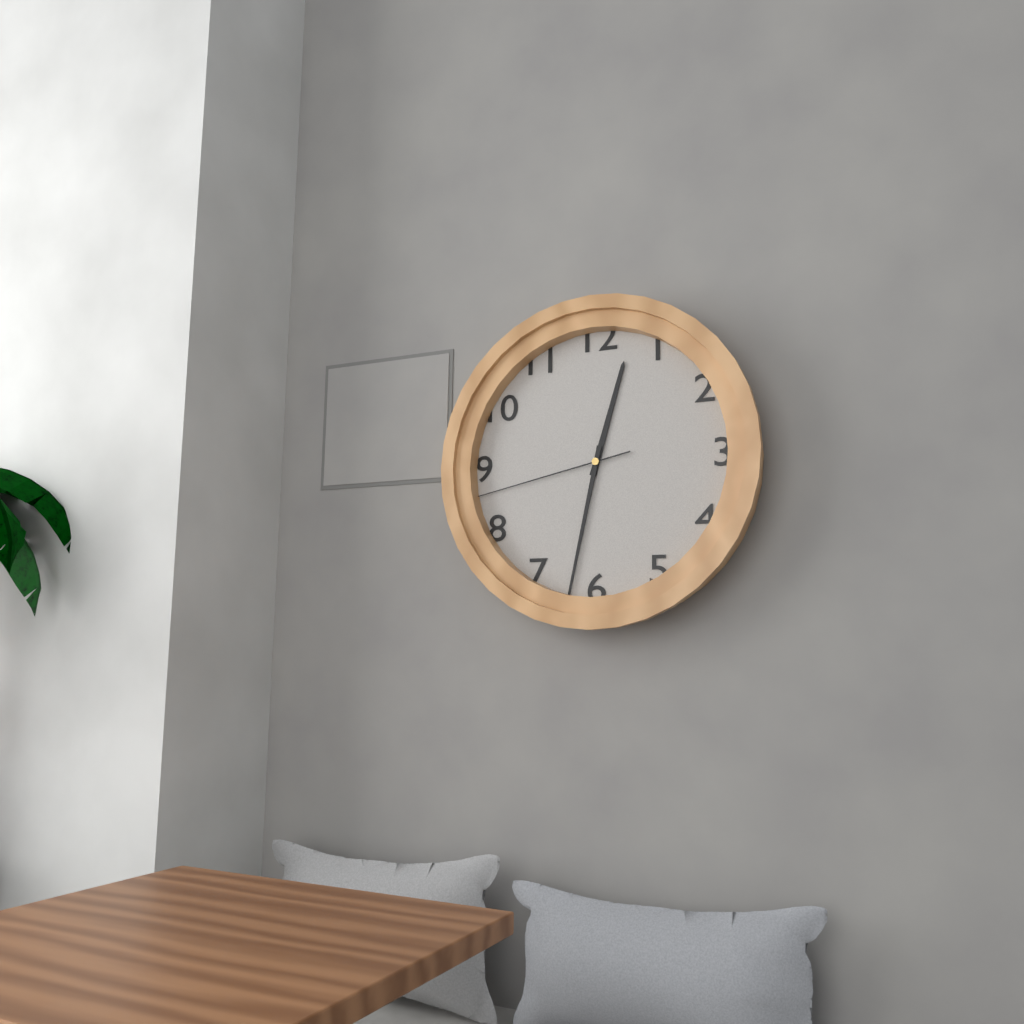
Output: {"hour": 12, "minute": 32, "second": 43}
